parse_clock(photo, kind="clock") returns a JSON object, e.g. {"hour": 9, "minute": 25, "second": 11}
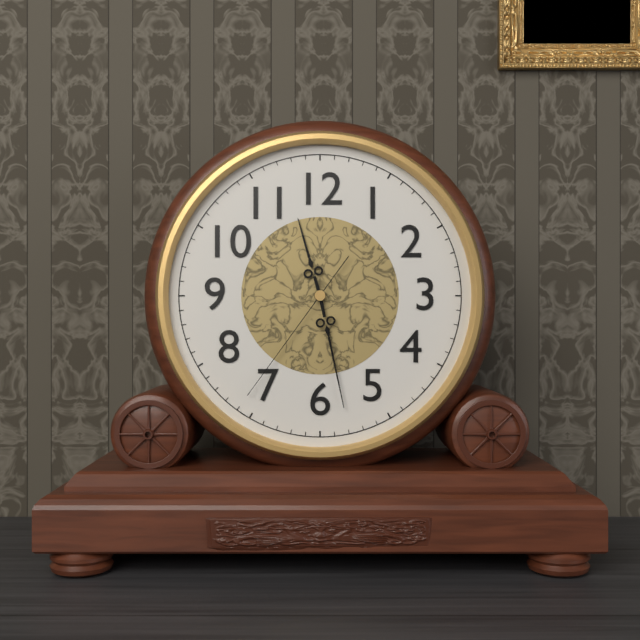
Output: {"hour": 11, "minute": 28, "second": 36}
